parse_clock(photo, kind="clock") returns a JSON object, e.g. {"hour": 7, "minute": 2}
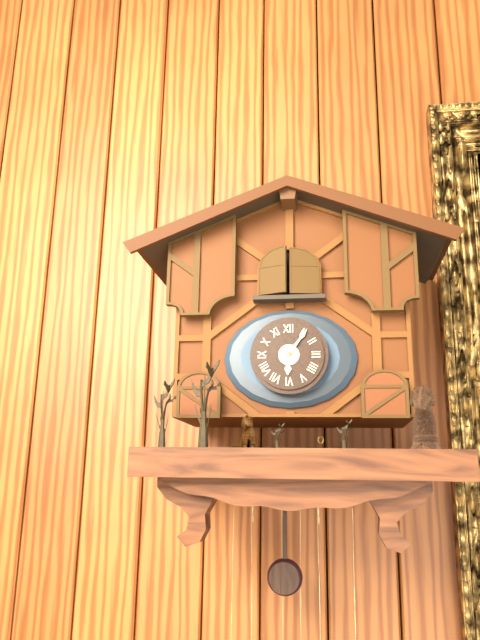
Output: {"hour": 6, "minute": 6}
